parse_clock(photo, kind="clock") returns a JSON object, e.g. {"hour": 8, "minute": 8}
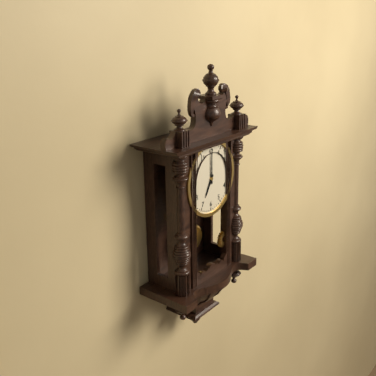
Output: {"hour": 7, "minute": 0}
